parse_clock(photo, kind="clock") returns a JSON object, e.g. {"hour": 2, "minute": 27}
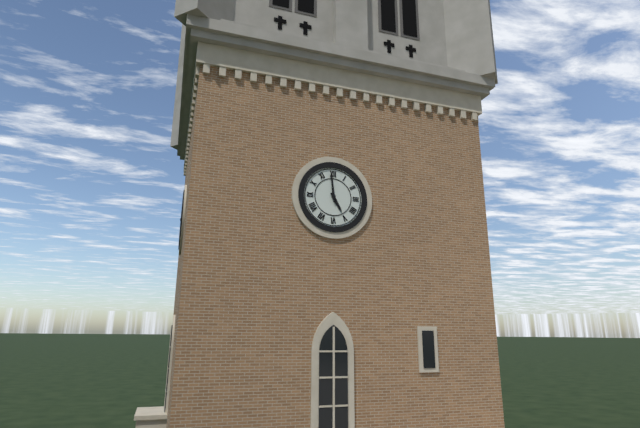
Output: {"hour": 4, "minute": 59}
